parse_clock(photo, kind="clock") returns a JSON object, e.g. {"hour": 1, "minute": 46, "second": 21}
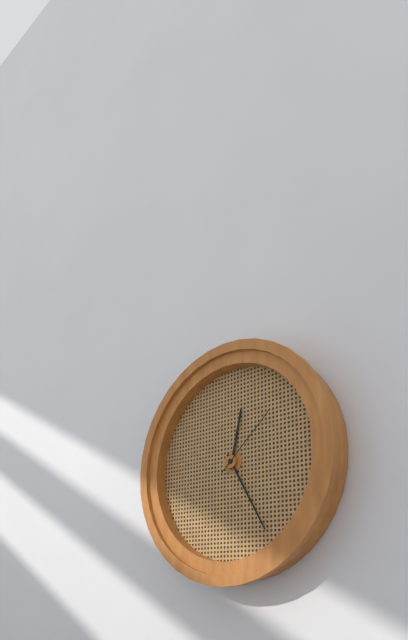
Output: {"hour": 12, "minute": 25, "second": 8}
